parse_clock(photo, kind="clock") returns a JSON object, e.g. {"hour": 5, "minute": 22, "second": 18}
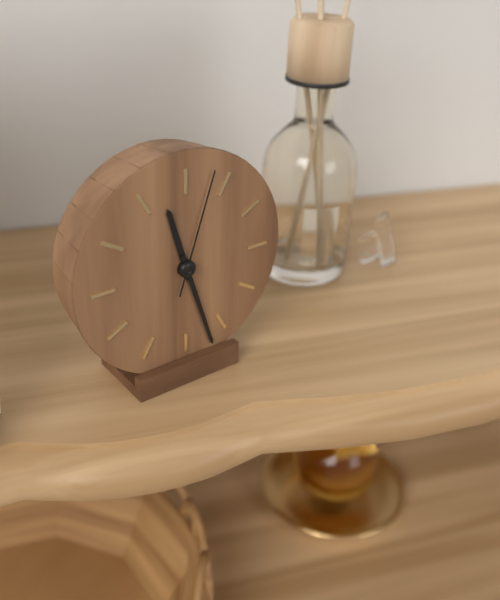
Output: {"hour": 11, "minute": 27, "second": 3}
